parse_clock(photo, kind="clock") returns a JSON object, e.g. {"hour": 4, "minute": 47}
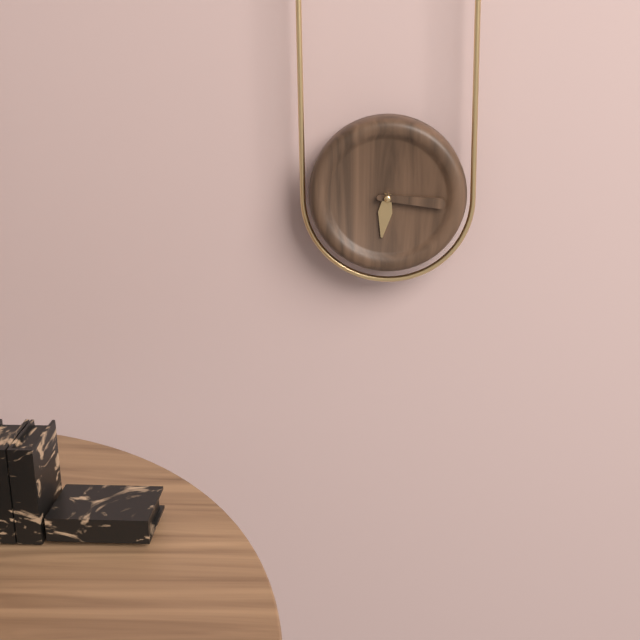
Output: {"hour": 6, "minute": 16}
